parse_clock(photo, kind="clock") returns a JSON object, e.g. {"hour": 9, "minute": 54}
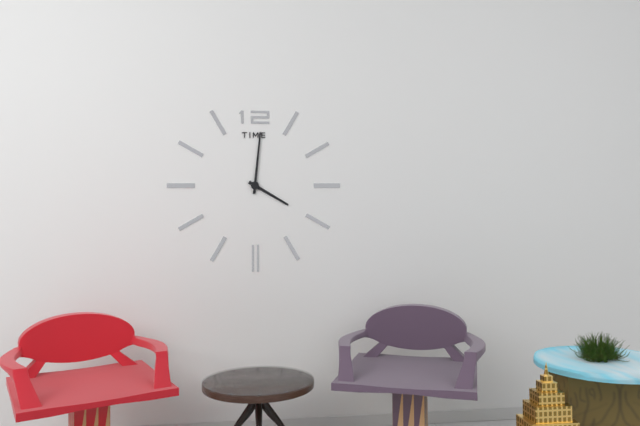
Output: {"hour": 4, "minute": 1}
